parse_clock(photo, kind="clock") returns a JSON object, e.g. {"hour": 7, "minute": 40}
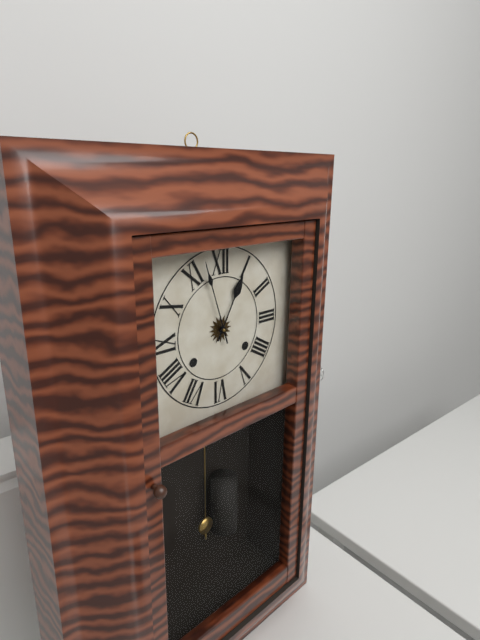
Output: {"hour": 12, "minute": 57}
